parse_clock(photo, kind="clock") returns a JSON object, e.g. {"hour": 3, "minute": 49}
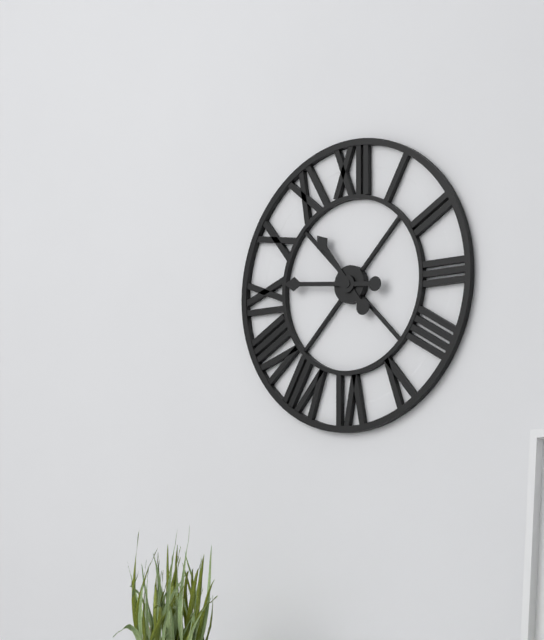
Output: {"hour": 10, "minute": 46}
